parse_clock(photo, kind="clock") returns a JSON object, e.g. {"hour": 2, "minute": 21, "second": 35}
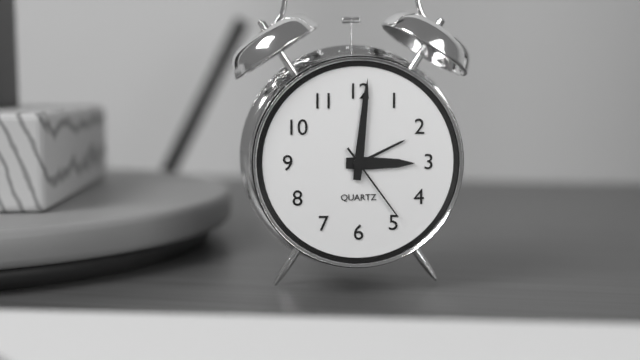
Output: {"hour": 3, "minute": 1, "second": 24}
